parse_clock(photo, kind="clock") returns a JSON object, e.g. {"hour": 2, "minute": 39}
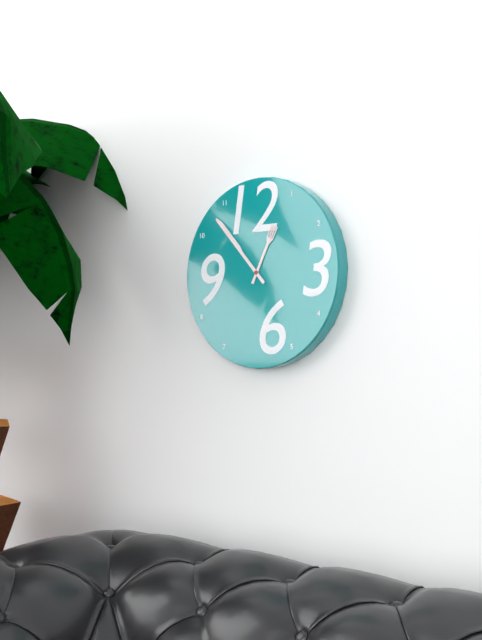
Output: {"hour": 12, "minute": 53}
